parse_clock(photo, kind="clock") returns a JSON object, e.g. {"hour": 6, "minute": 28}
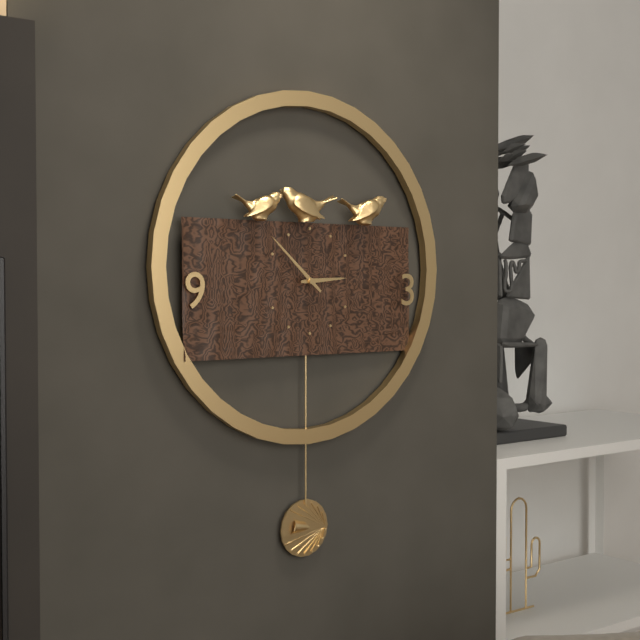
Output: {"hour": 2, "minute": 52}
